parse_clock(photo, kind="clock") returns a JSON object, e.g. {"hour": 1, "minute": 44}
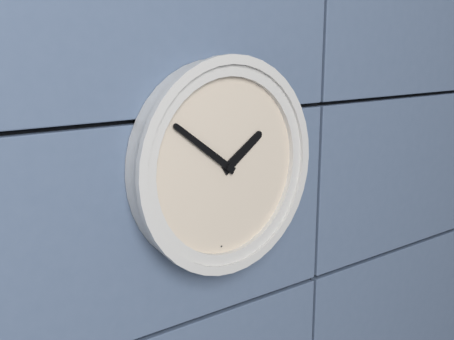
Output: {"hour": 1, "minute": 51}
